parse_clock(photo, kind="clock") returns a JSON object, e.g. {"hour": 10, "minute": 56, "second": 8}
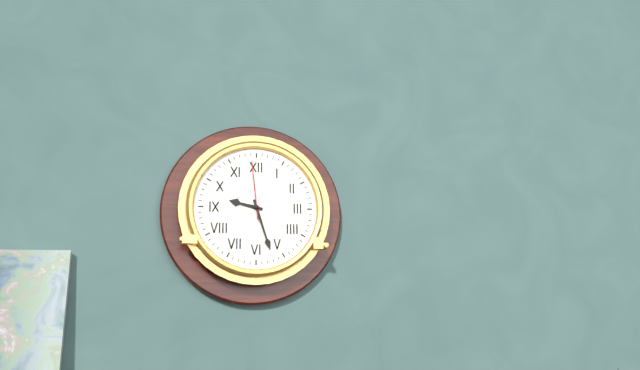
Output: {"hour": 9, "minute": 27, "second": 59}
